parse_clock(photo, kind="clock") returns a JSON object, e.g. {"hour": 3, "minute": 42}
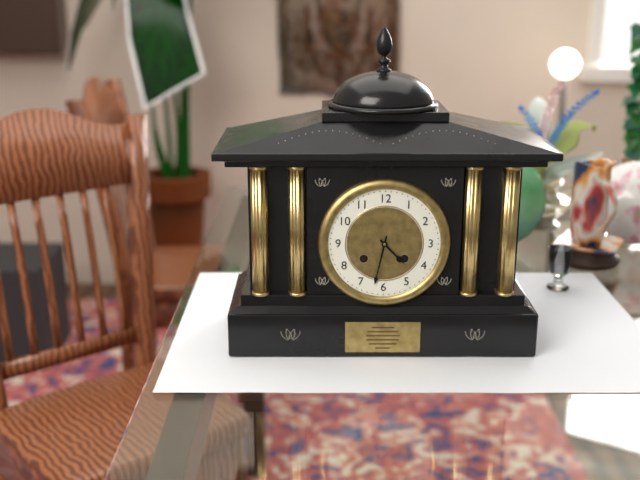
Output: {"hour": 4, "minute": 32}
